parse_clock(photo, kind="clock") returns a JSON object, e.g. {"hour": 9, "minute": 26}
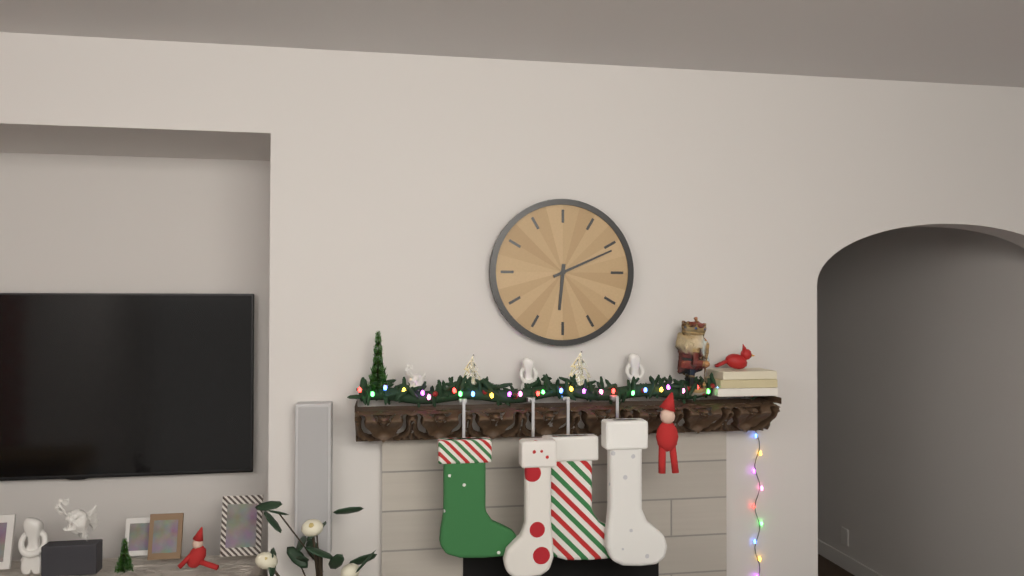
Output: {"hour": 6, "minute": 11}
